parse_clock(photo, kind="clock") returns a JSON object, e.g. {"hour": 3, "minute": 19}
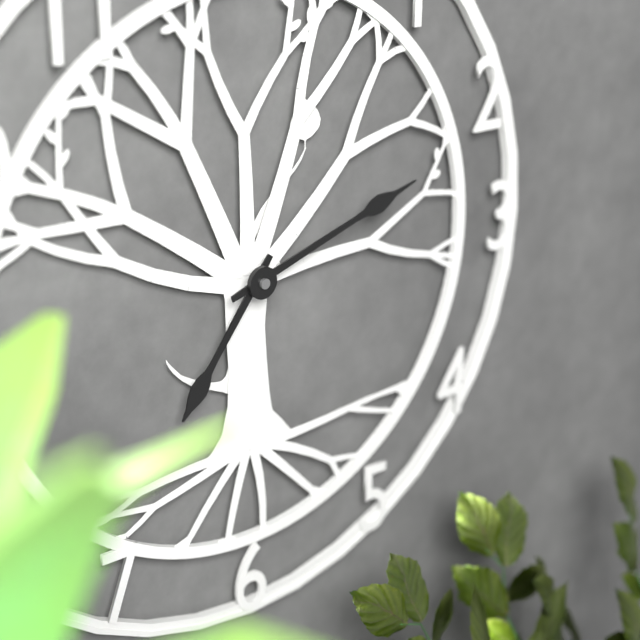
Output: {"hour": 7, "minute": 12}
